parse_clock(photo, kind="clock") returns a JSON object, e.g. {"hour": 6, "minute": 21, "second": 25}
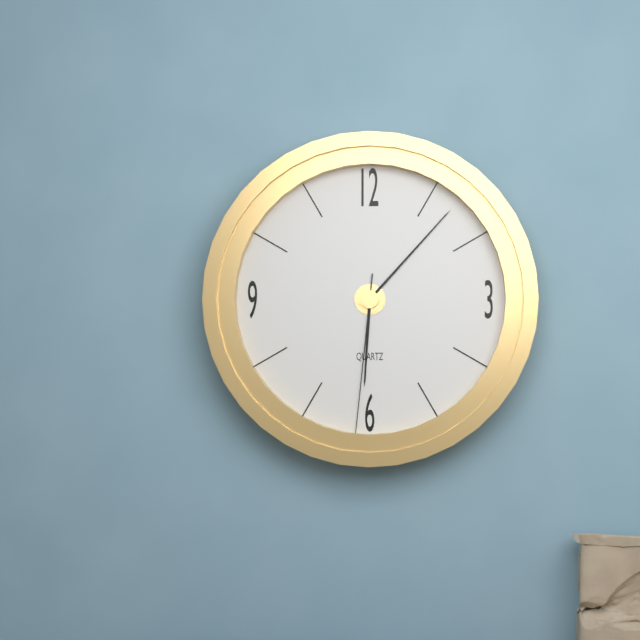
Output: {"hour": 6, "minute": 7, "second": 31}
